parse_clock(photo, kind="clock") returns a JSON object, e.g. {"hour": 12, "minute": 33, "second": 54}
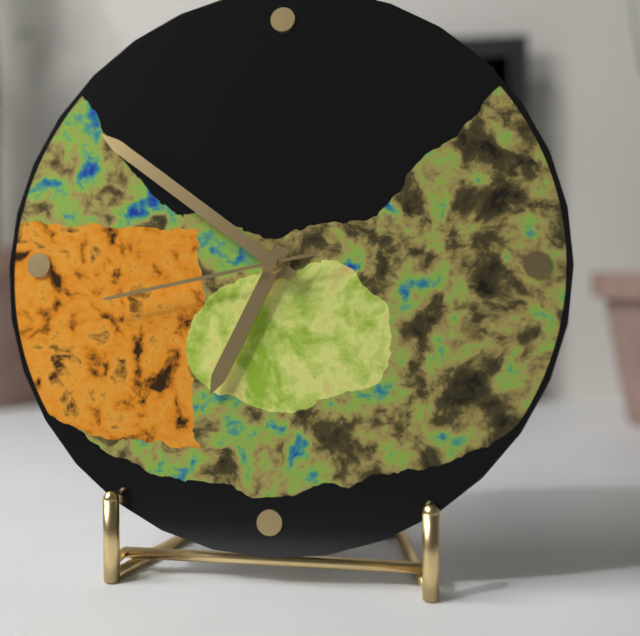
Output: {"hour": 6, "minute": 51, "second": 43}
